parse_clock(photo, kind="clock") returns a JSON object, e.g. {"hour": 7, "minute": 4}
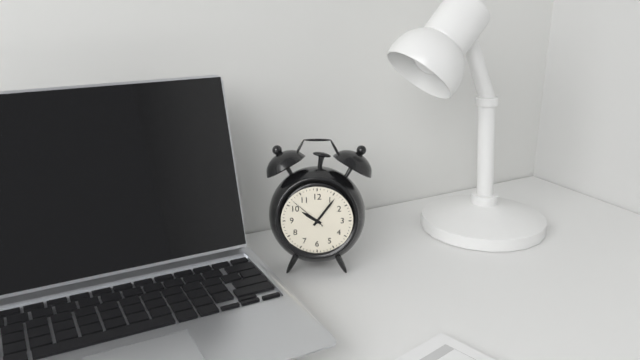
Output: {"hour": 10, "minute": 6}
